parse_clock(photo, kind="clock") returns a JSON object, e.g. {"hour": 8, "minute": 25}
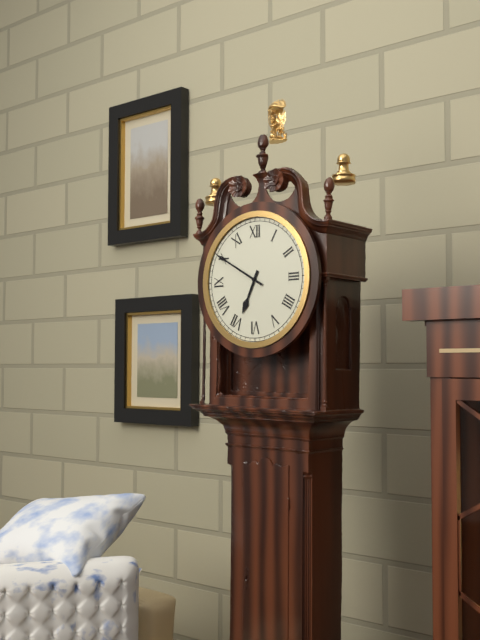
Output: {"hour": 6, "minute": 50}
